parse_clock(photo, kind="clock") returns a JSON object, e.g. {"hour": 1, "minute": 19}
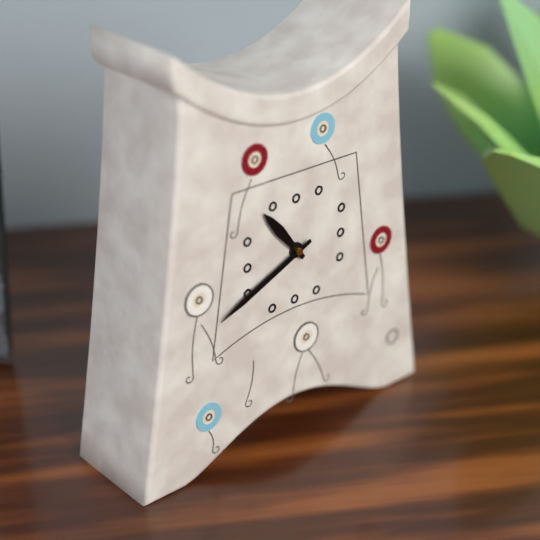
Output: {"hour": 10, "minute": 41}
